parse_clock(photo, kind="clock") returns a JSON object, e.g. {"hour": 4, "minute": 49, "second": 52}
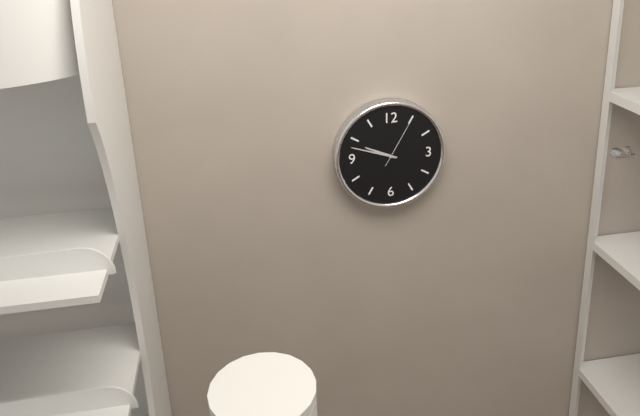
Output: {"hour": 9, "minute": 48, "second": 5}
